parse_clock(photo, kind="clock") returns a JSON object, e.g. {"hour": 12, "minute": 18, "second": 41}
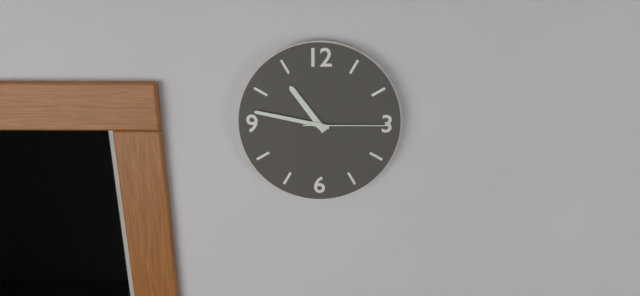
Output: {"hour": 10, "minute": 47, "second": 15}
